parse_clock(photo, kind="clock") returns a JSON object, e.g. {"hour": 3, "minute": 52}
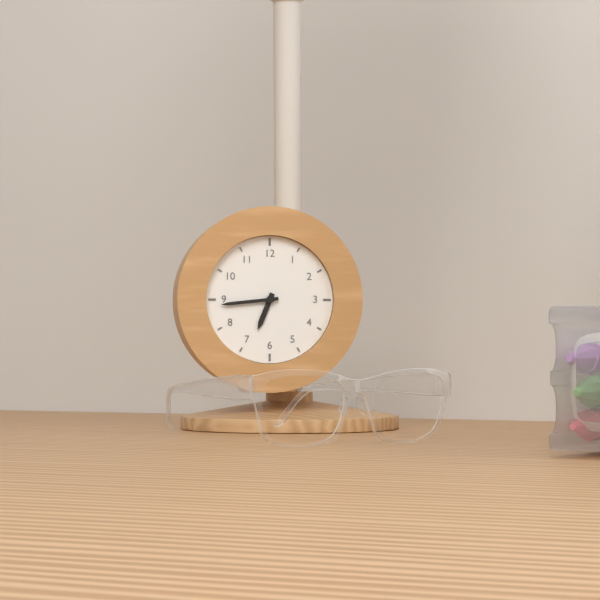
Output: {"hour": 6, "minute": 44}
